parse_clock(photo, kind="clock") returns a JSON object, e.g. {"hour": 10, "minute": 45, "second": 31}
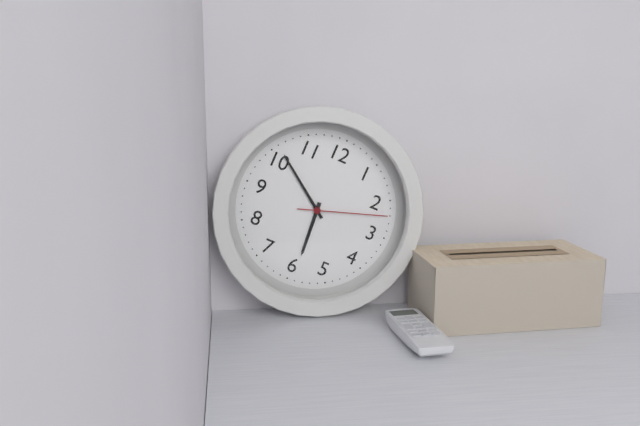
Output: {"hour": 5, "minute": 51, "second": 12}
